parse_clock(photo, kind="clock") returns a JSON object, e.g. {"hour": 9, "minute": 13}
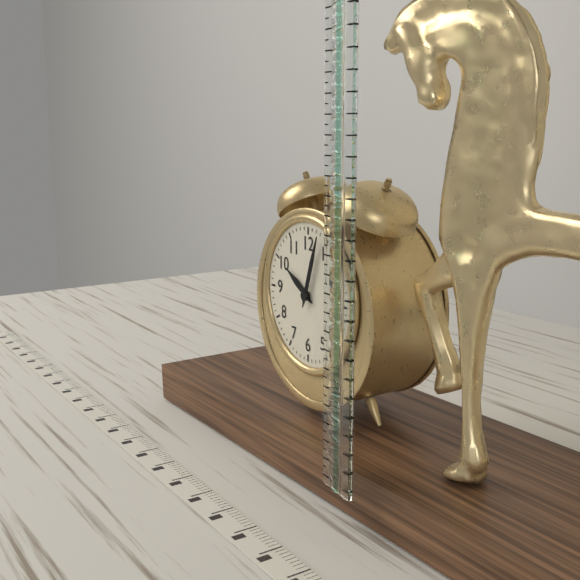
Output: {"hour": 10, "minute": 3}
